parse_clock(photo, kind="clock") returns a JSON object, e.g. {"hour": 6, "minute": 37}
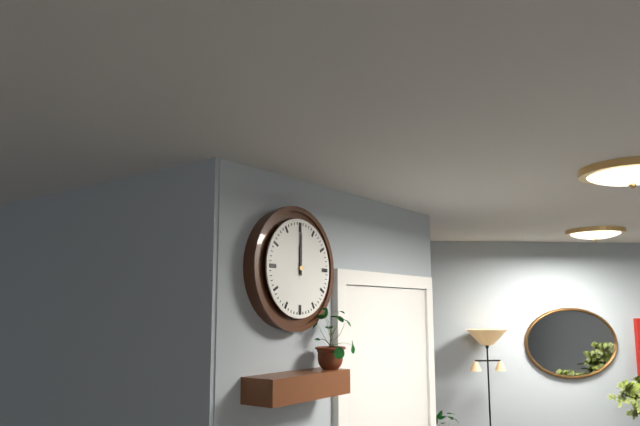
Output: {"hour": 12, "minute": 0}
